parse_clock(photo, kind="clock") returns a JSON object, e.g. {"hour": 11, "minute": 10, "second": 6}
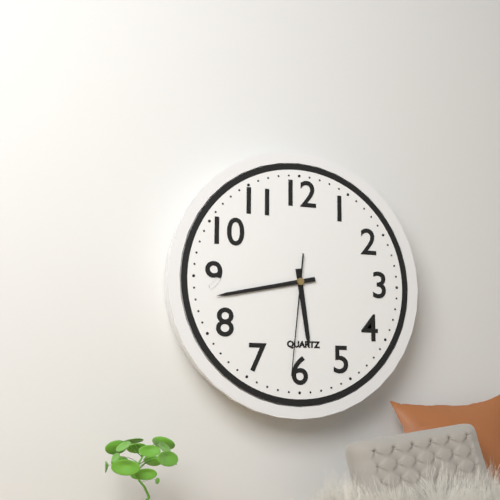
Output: {"hour": 5, "minute": 43, "second": 31}
